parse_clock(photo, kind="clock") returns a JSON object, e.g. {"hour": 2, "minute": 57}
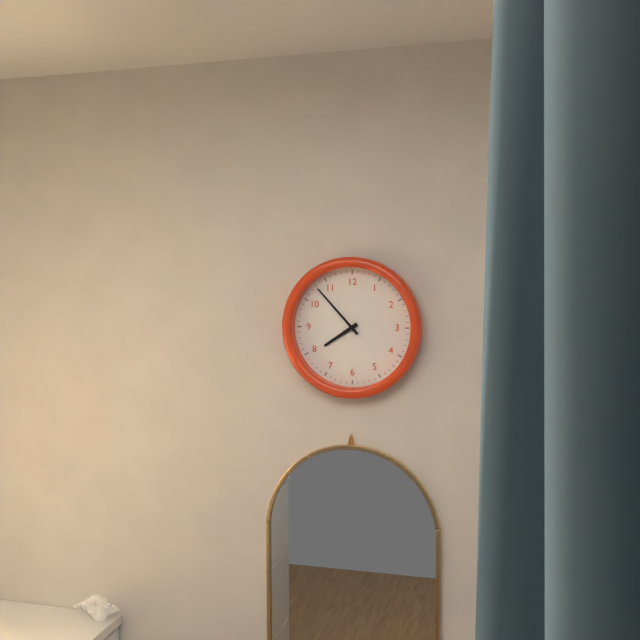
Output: {"hour": 7, "minute": 53}
